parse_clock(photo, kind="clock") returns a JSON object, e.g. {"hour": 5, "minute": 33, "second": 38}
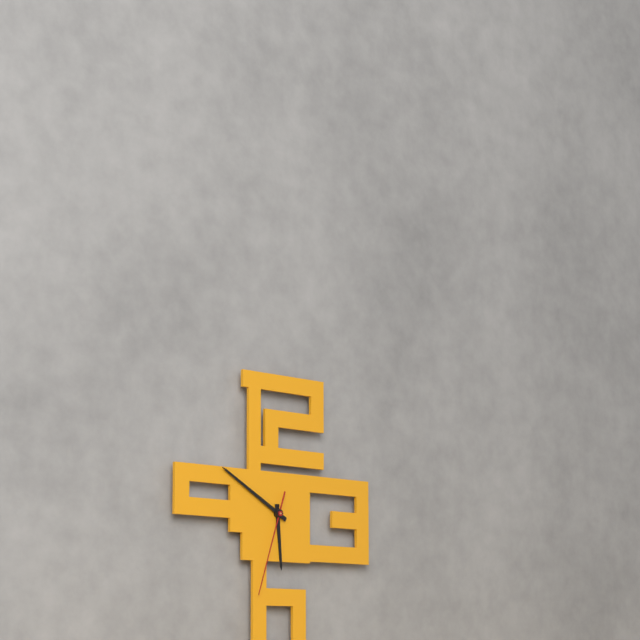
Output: {"hour": 5, "minute": 50, "second": 33}
